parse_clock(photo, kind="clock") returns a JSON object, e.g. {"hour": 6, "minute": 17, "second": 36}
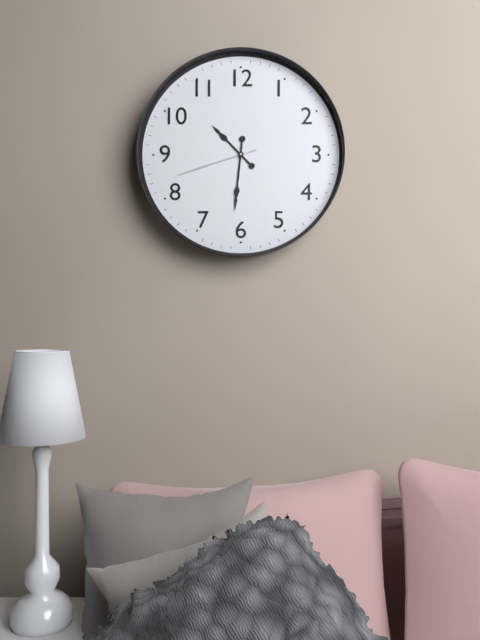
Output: {"hour": 10, "minute": 31, "second": 42}
